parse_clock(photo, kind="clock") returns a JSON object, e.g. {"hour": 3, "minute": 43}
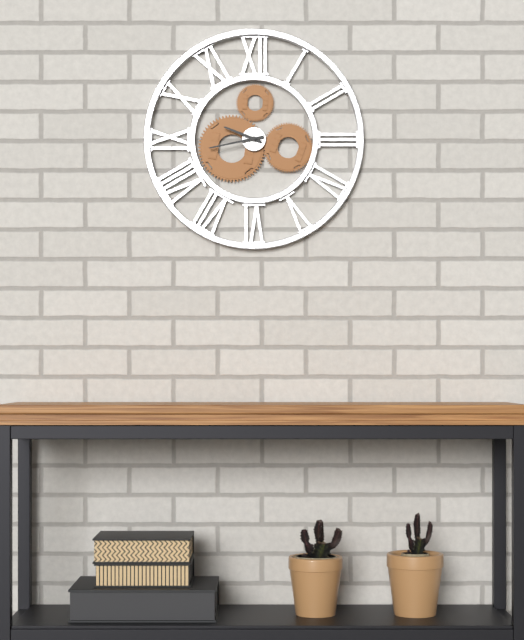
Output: {"hour": 9, "minute": 43}
